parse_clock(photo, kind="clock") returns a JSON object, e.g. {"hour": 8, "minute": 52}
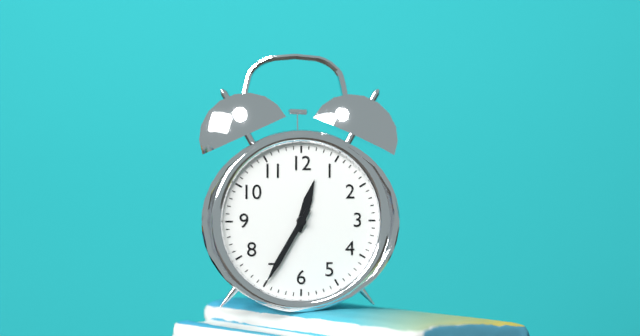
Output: {"hour": 12, "minute": 35}
